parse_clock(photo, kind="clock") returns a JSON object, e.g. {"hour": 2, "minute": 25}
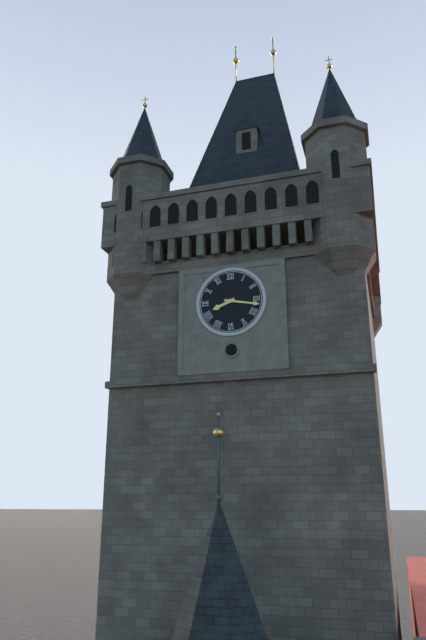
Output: {"hour": 8, "minute": 17}
